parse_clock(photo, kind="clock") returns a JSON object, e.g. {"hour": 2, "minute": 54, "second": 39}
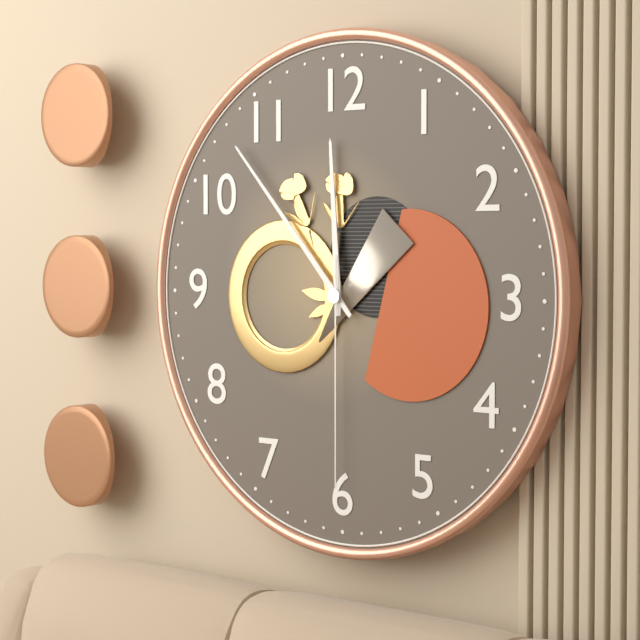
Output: {"hour": 11, "minute": 53, "second": 30}
